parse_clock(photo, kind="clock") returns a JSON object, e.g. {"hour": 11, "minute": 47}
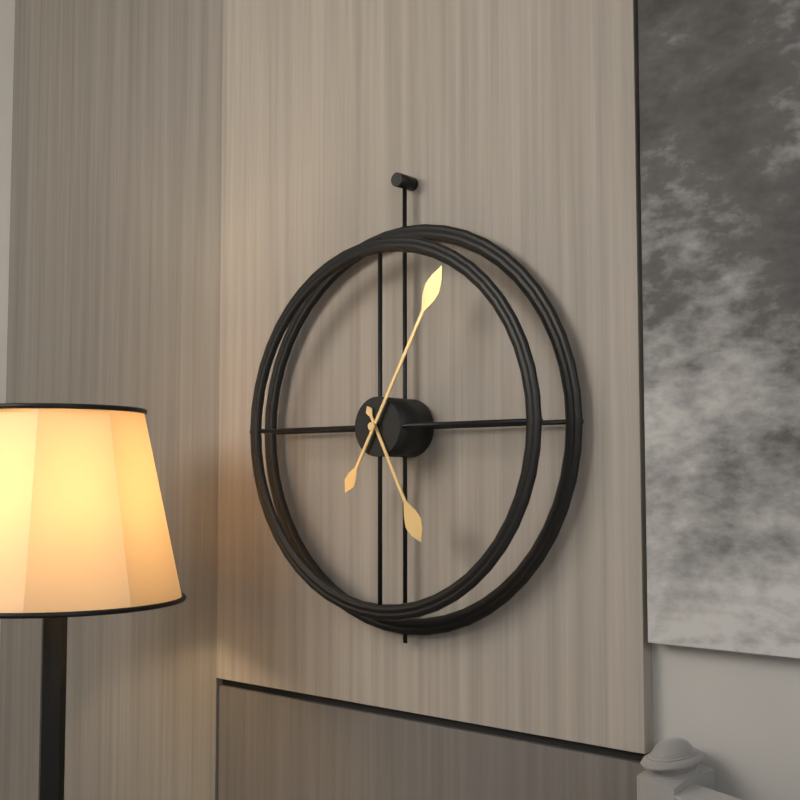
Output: {"hour": 5, "minute": 5}
